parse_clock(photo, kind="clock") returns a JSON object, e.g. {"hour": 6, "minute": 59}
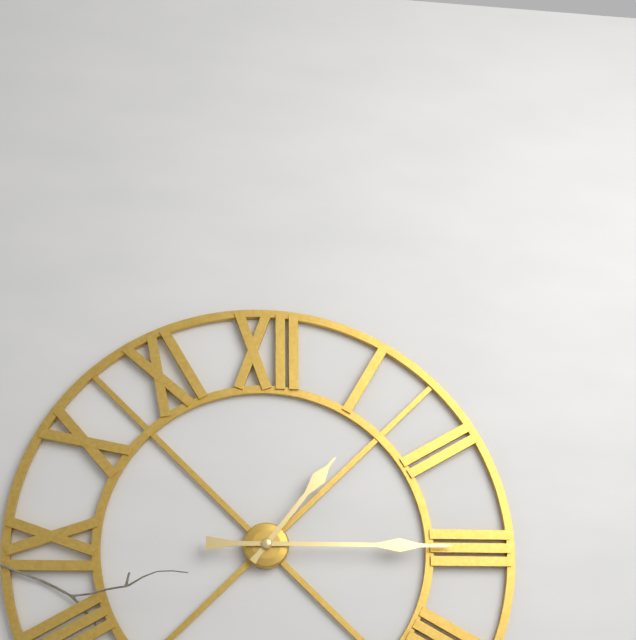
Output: {"hour": 1, "minute": 15}
